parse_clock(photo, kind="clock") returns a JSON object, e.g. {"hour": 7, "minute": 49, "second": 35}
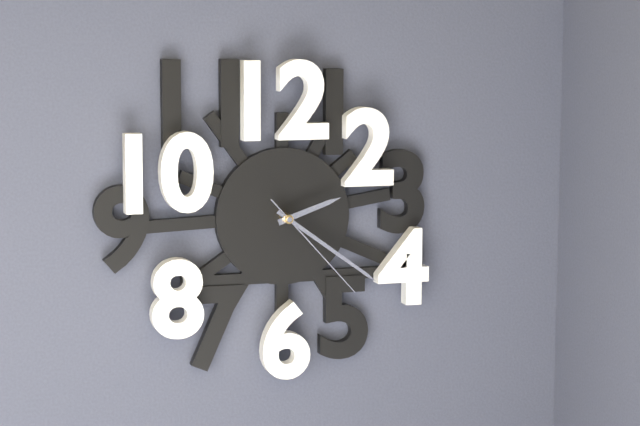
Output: {"hour": 2, "minute": 21, "second": 23}
